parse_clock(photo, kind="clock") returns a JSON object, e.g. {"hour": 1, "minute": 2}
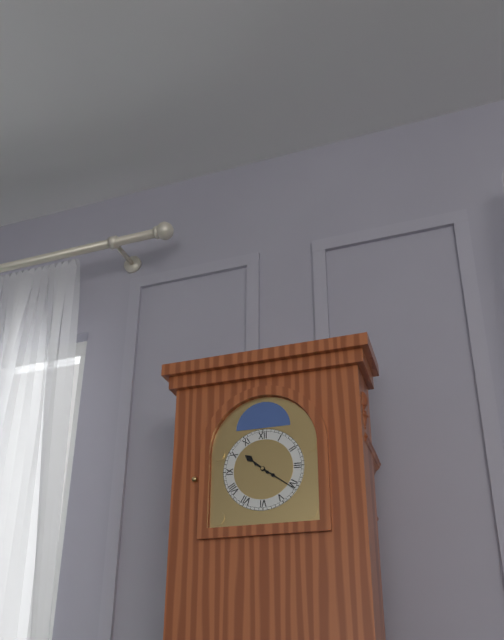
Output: {"hour": 10, "minute": 21}
